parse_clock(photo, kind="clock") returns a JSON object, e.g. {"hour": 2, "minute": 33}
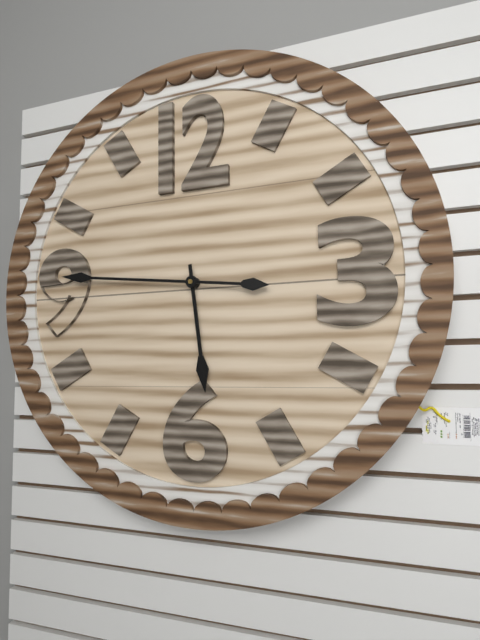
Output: {"hour": 5, "minute": 46}
